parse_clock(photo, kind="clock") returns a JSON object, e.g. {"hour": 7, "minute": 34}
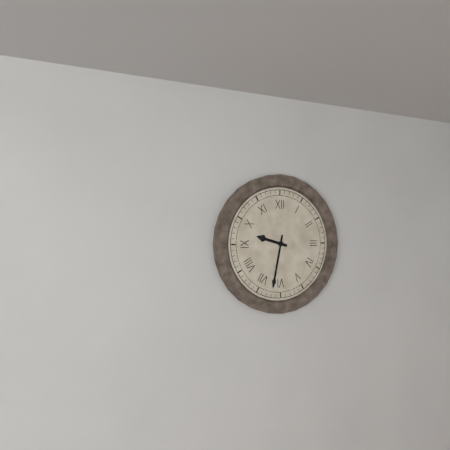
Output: {"hour": 9, "minute": 32}
